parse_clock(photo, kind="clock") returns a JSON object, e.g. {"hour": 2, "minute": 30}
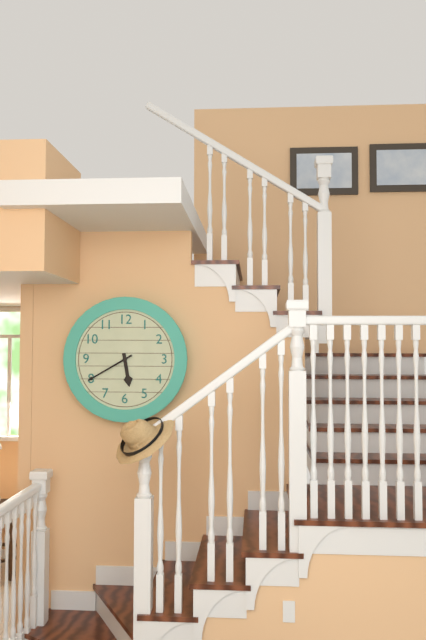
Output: {"hour": 5, "minute": 40}
